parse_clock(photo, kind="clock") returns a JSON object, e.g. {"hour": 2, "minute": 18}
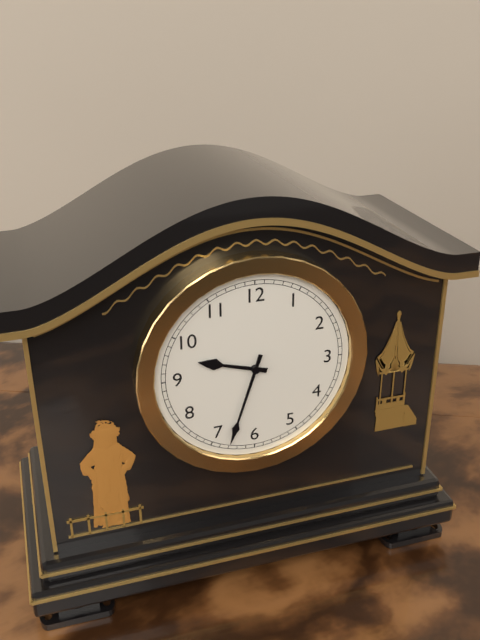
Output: {"hour": 9, "minute": 33}
